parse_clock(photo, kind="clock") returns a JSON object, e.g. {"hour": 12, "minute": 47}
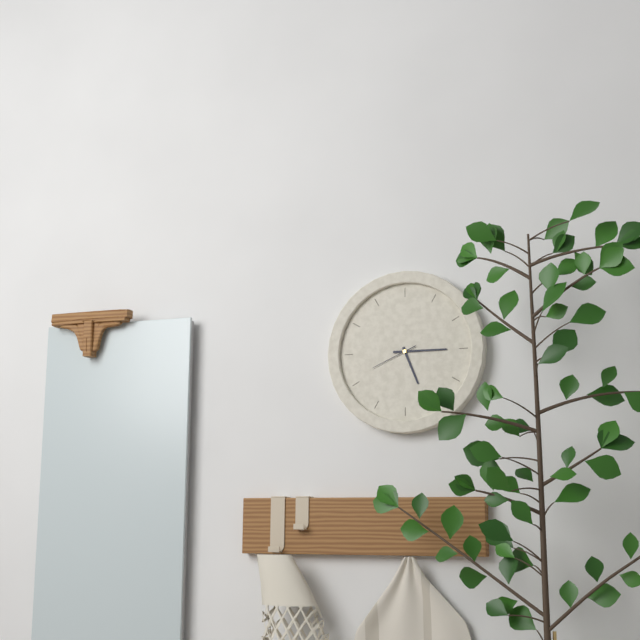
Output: {"hour": 5, "minute": 15}
